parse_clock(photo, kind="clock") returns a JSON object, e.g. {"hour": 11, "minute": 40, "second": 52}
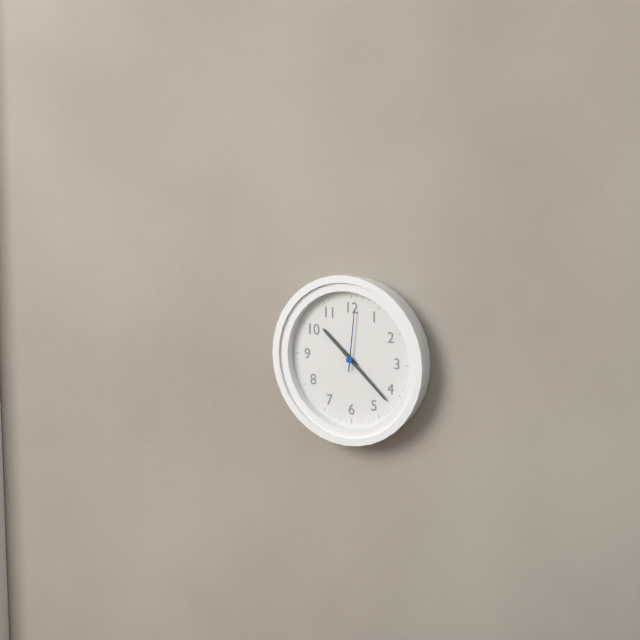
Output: {"hour": 10, "minute": 22, "second": 1}
